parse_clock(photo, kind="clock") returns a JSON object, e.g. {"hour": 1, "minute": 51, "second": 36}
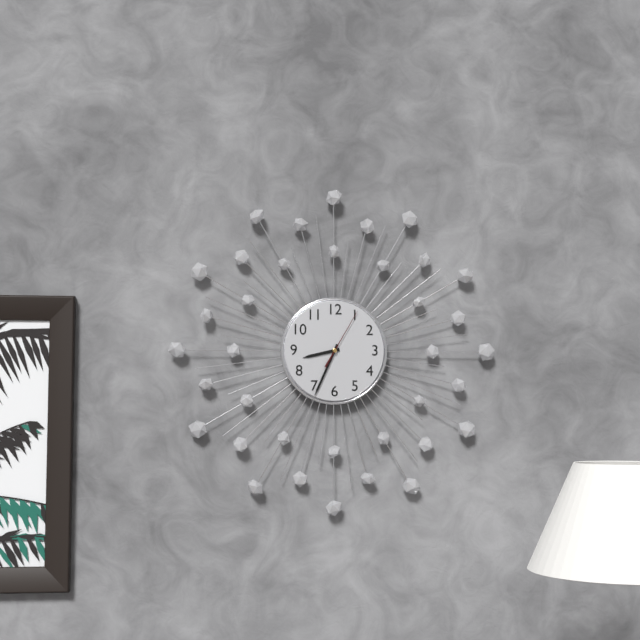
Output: {"hour": 8, "minute": 34, "second": 5}
